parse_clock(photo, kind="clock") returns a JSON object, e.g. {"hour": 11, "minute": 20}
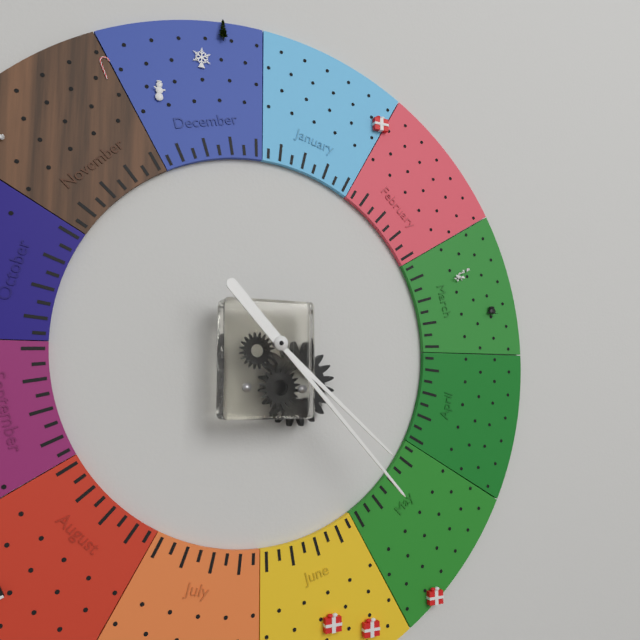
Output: {"hour": 4, "minute": 23}
